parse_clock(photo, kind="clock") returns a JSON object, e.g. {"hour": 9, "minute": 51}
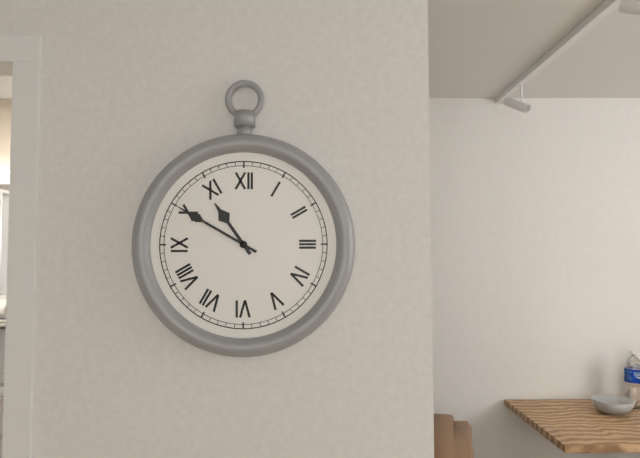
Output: {"hour": 10, "minute": 50}
